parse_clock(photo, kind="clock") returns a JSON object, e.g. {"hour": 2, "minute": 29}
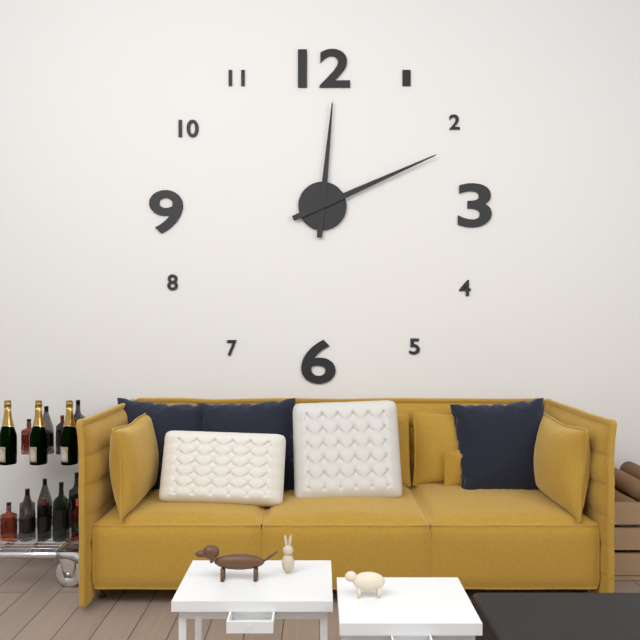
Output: {"hour": 12, "minute": 11}
